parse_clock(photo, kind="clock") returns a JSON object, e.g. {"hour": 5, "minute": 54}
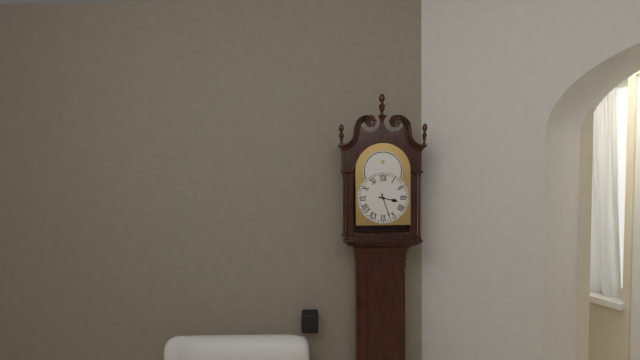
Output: {"hour": 3, "minute": 27}
